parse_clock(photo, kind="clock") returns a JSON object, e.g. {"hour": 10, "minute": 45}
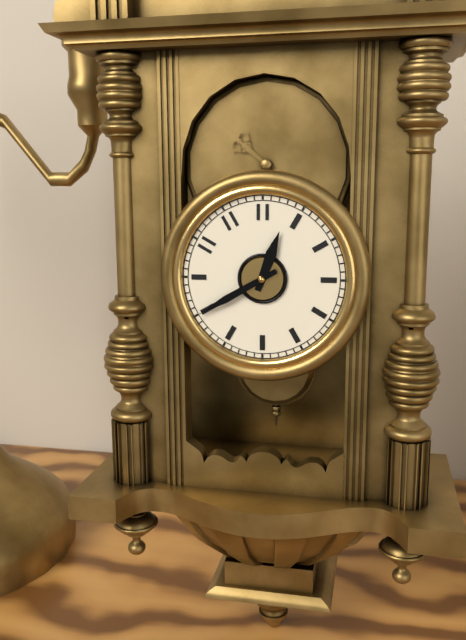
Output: {"hour": 12, "minute": 40}
